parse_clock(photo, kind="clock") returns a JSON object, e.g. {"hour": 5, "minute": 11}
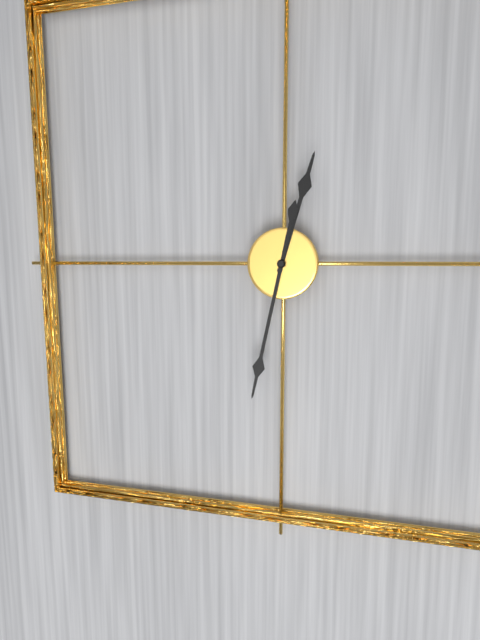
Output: {"hour": 12, "minute": 32}
